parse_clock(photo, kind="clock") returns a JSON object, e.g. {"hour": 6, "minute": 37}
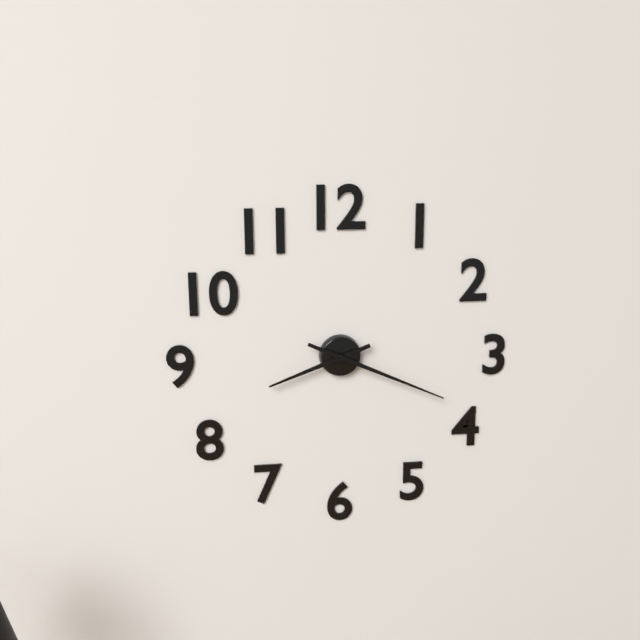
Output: {"hour": 8, "minute": 19}
